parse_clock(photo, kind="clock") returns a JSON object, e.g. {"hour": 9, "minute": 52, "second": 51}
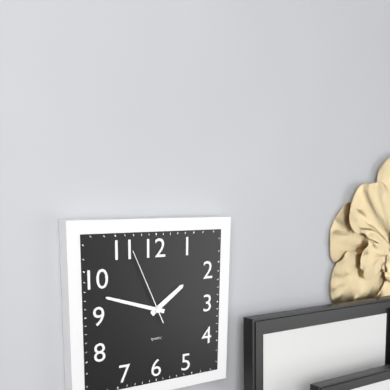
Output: {"hour": 1, "minute": 48, "second": 56}
